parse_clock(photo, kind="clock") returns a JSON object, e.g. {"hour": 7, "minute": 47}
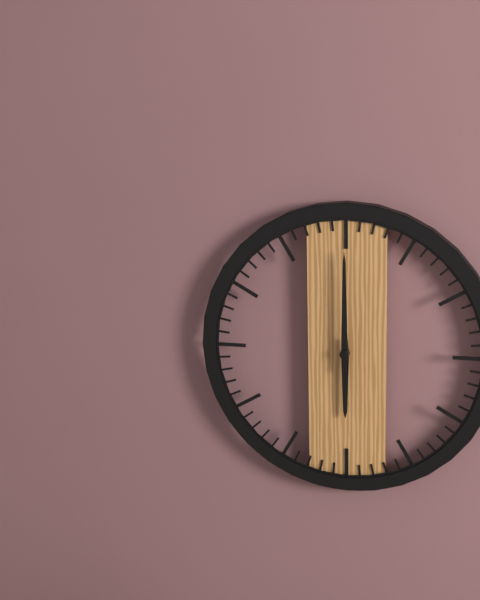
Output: {"hour": 6, "minute": 0}
